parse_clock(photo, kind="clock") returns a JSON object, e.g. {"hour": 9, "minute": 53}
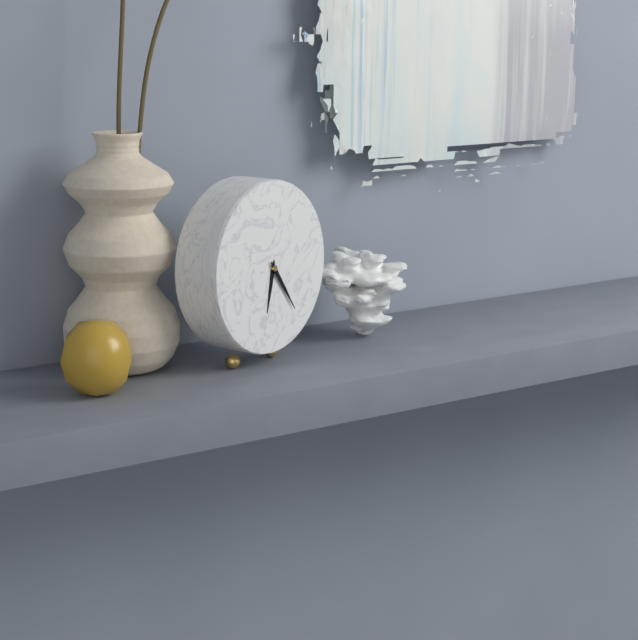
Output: {"hour": 6, "minute": 24}
